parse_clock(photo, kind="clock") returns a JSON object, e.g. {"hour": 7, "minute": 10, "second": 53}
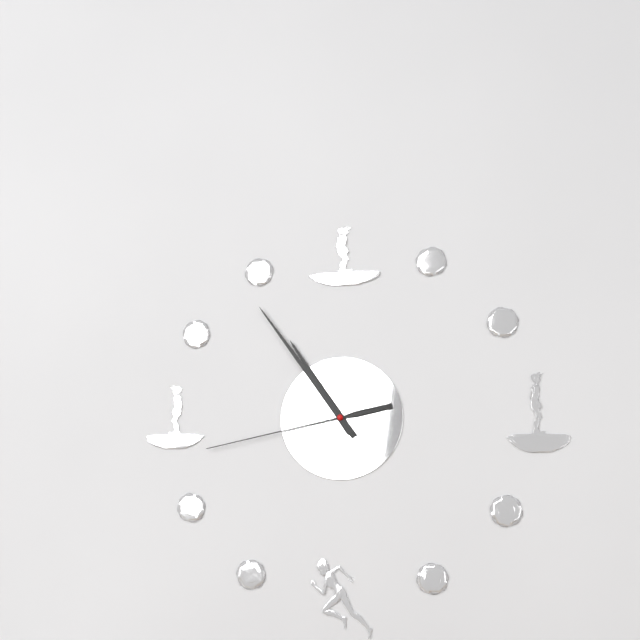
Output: {"hour": 10, "minute": 54, "second": 43}
